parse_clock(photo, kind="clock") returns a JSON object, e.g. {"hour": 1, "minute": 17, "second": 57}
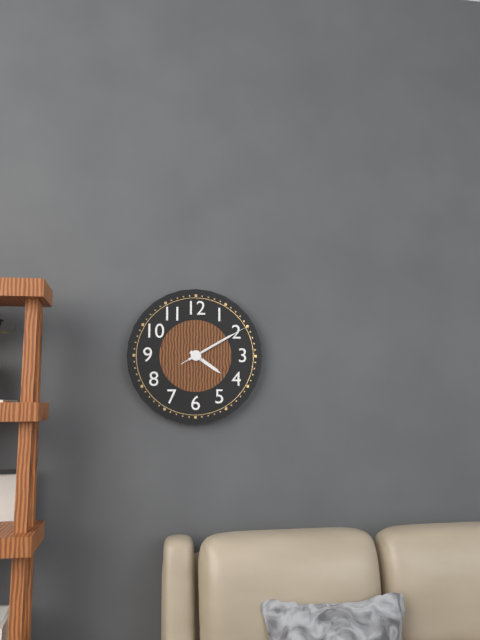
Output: {"hour": 4, "minute": 10, "second": 10}
